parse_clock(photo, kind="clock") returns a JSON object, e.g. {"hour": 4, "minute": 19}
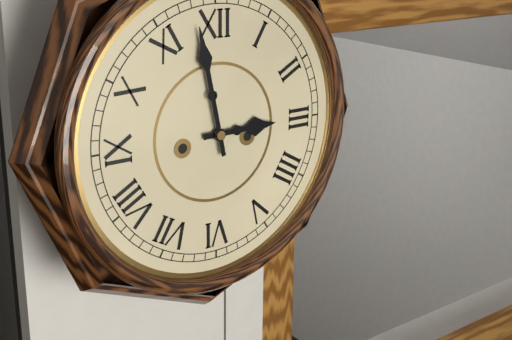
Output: {"hour": 2, "minute": 58}
